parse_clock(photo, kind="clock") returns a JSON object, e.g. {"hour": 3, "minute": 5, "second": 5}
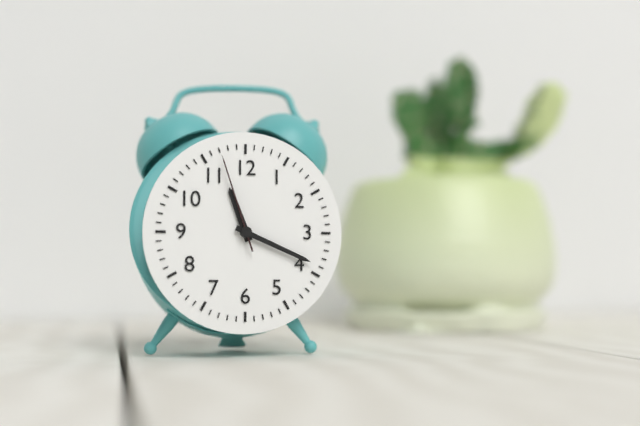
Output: {"hour": 11, "minute": 19, "second": 57}
